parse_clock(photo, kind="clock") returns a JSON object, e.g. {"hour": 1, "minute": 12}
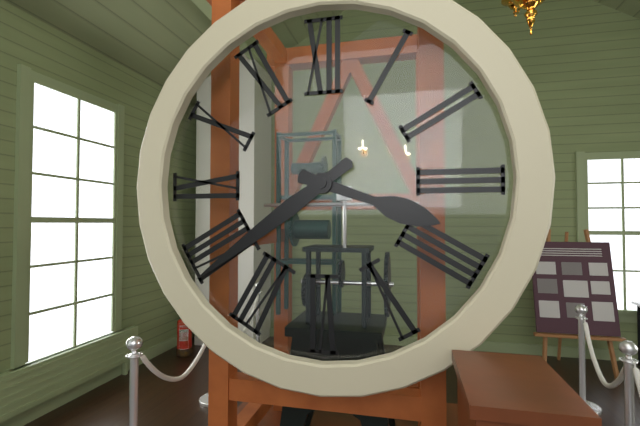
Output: {"hour": 3, "minute": 39}
